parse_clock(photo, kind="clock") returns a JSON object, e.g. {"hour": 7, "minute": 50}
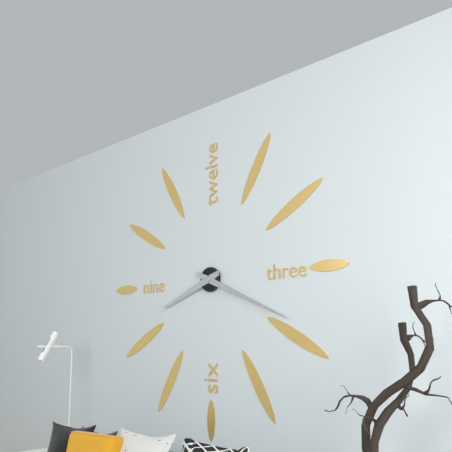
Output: {"hour": 8, "minute": 19}
